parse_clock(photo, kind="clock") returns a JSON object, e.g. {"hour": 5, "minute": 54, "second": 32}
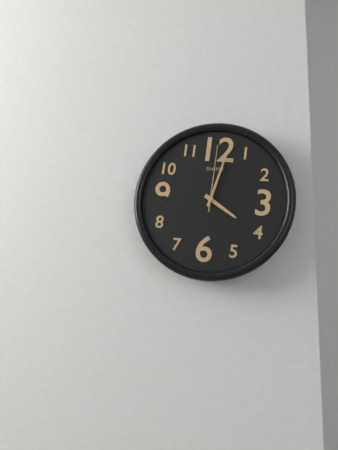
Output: {"hour": 4, "minute": 2, "second": 0}
